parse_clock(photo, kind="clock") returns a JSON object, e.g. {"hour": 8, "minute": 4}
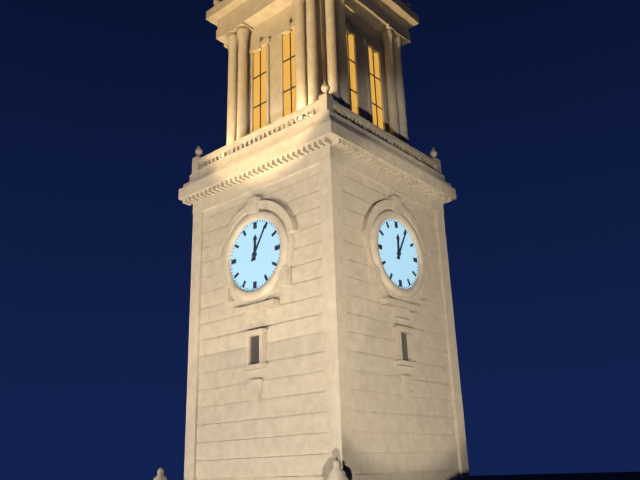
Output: {"hour": 12, "minute": 5}
